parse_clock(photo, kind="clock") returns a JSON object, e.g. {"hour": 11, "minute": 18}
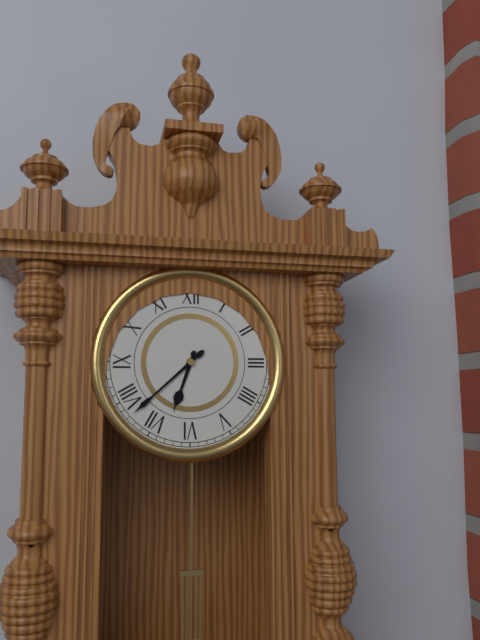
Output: {"hour": 6, "minute": 38}
